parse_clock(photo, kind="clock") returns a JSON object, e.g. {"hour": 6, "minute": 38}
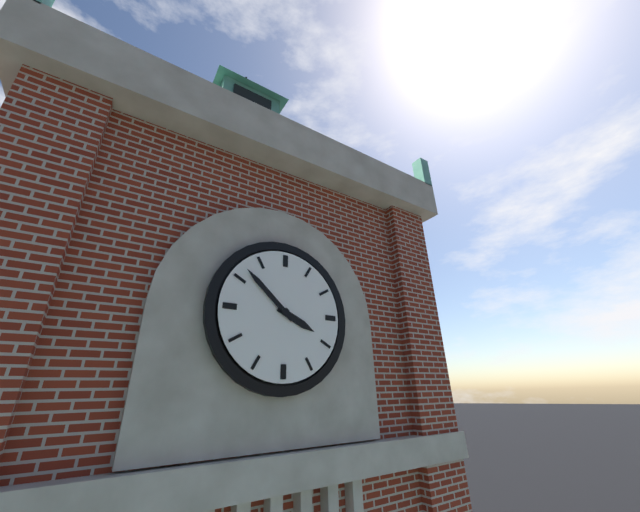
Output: {"hour": 3, "minute": 52}
